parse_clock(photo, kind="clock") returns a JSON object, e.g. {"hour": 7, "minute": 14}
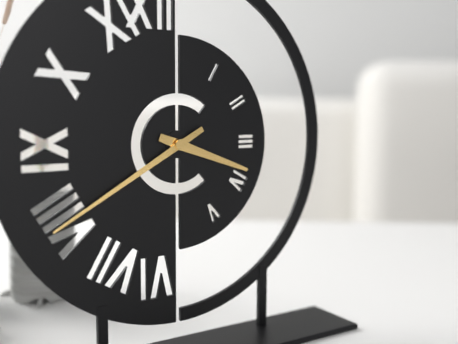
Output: {"hour": 3, "minute": 40}
